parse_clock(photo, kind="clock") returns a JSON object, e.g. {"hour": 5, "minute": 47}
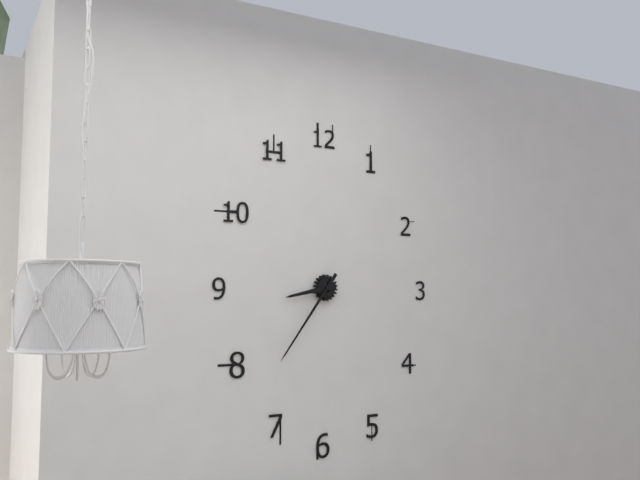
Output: {"hour": 8, "minute": 36}
